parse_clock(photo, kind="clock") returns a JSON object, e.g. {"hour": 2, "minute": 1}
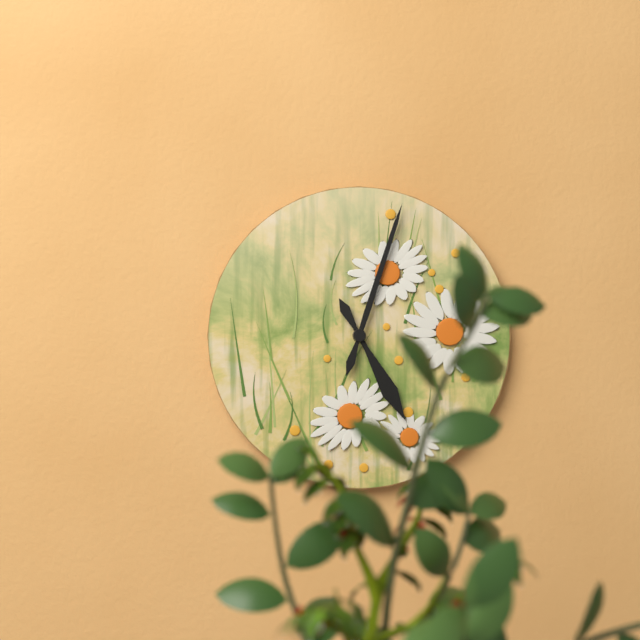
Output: {"hour": 5, "minute": 3}
